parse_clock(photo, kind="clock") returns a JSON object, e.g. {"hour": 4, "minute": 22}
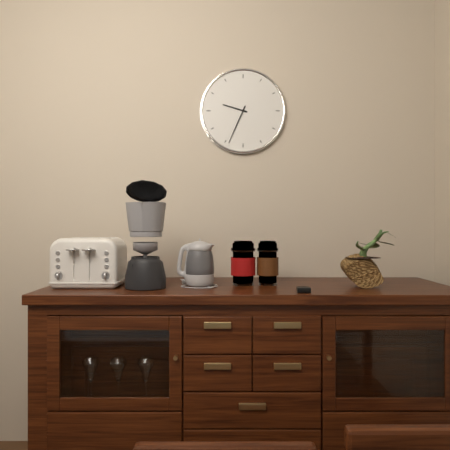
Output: {"hour": 9, "minute": 34}
